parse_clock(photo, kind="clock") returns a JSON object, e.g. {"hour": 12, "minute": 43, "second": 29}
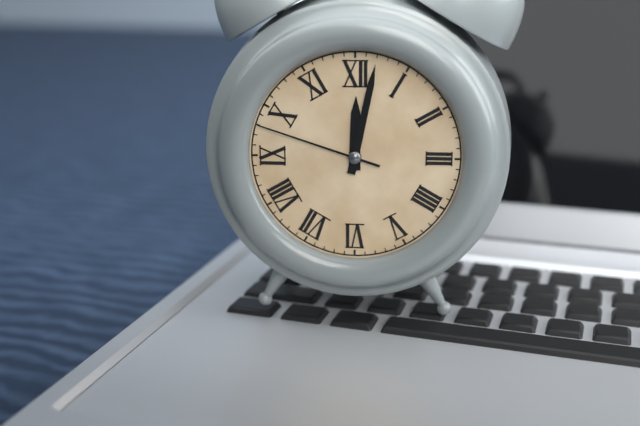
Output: {"hour": 12, "minute": 2, "second": 48}
